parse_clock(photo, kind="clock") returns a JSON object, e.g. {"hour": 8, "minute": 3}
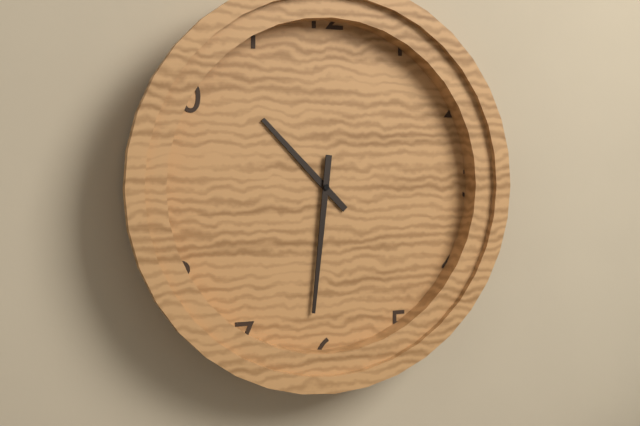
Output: {"hour": 10, "minute": 31}
